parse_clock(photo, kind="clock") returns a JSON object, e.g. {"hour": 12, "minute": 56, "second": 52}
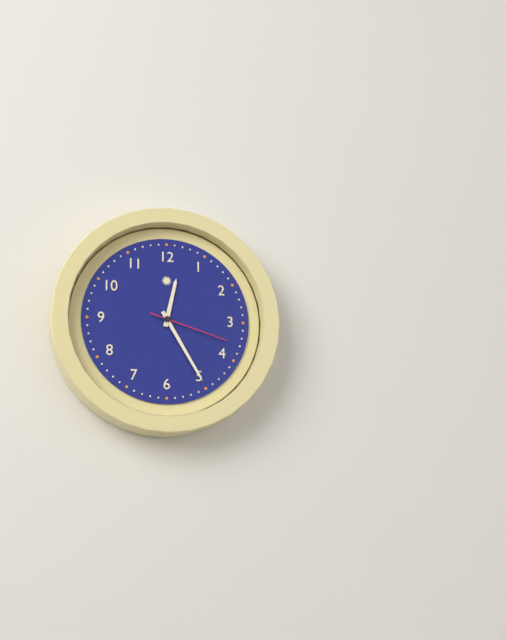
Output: {"hour": 12, "minute": 25, "second": 18}
